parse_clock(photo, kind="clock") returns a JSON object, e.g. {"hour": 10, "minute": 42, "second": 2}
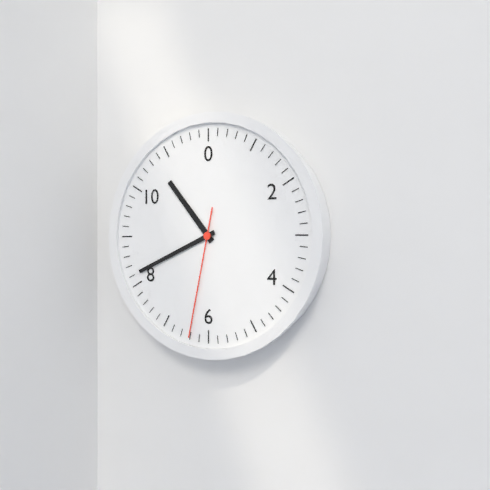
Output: {"hour": 10, "minute": 41, "second": 32}
